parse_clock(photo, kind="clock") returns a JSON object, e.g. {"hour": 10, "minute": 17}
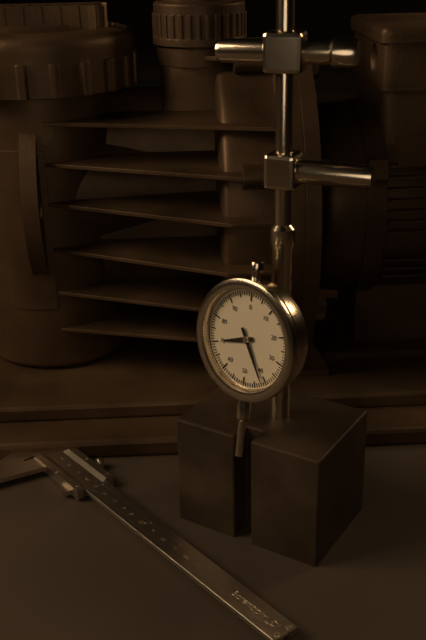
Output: {"hour": 8, "minute": 25}
